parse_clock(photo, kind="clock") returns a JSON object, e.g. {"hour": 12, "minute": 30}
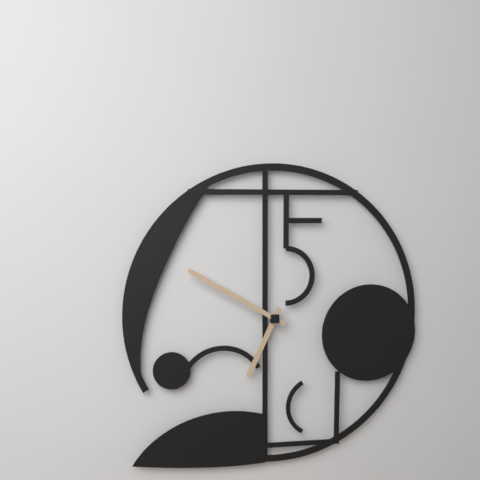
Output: {"hour": 6, "minute": 50}
